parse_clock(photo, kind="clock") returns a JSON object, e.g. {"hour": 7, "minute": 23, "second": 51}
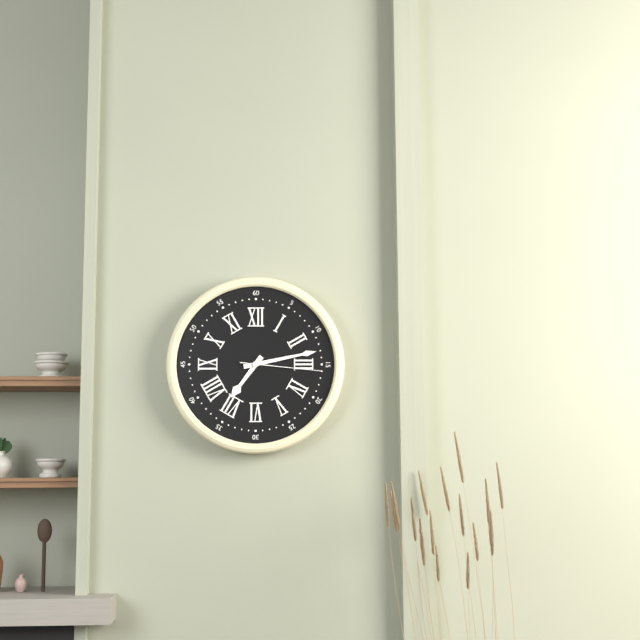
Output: {"hour": 7, "minute": 13, "second": 16}
